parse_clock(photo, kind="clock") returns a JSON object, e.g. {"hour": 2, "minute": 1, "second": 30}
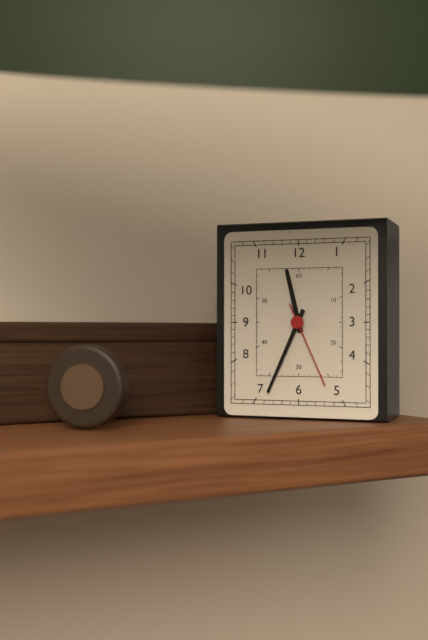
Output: {"hour": 11, "minute": 34, "second": 26}
